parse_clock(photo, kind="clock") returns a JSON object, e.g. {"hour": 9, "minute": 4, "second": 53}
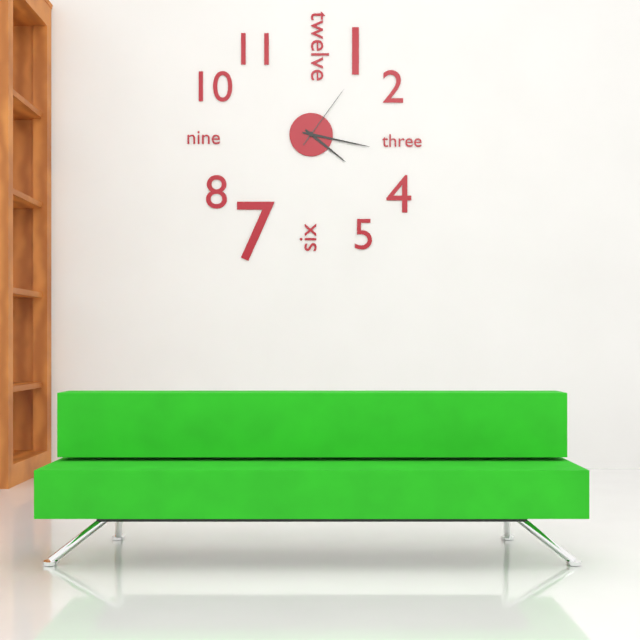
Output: {"hour": 4, "minute": 17, "second": 6}
